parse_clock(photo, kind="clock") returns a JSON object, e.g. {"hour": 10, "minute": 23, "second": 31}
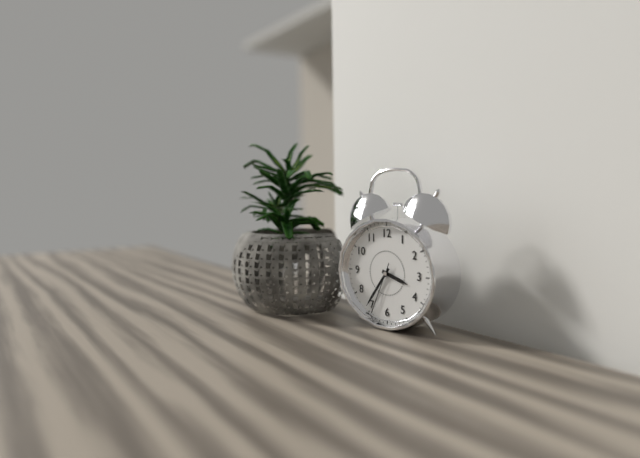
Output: {"hour": 3, "minute": 36, "second": 34}
